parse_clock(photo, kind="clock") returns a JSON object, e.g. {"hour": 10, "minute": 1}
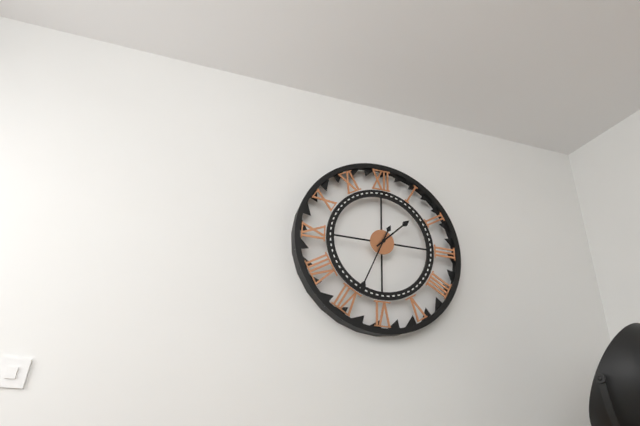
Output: {"hour": 1, "minute": 34}
